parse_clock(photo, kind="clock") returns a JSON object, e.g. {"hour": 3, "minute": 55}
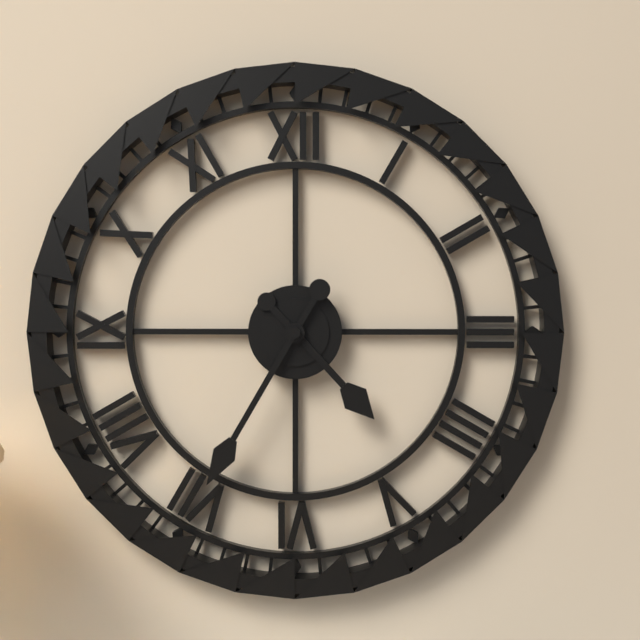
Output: {"hour": 4, "minute": 35}
